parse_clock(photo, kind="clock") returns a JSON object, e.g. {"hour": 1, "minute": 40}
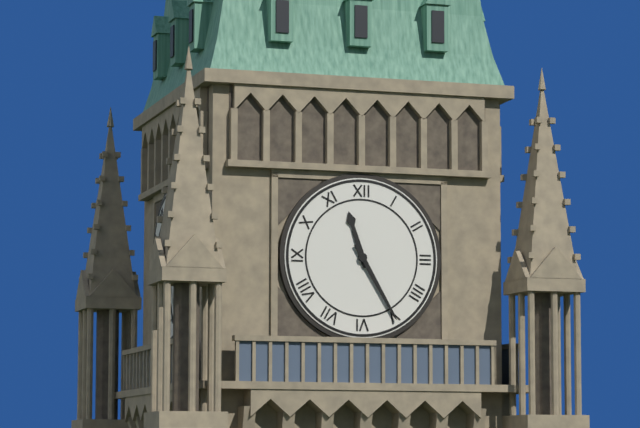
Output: {"hour": 11, "minute": 25}
